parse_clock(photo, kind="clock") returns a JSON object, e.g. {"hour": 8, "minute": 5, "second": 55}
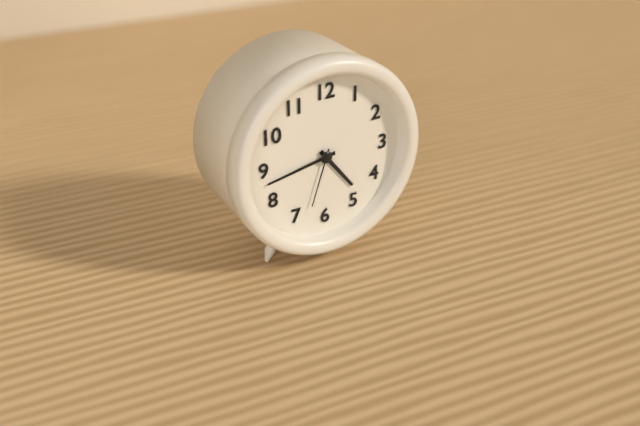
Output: {"hour": 4, "minute": 43, "second": 33}
